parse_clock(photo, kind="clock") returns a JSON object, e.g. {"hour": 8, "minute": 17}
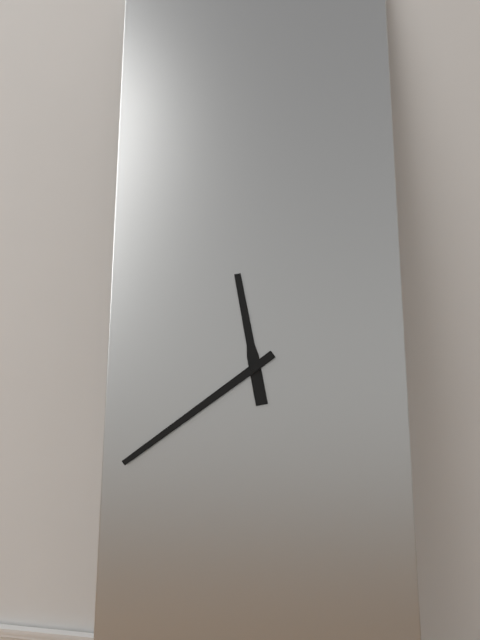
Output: {"hour": 11, "minute": 39}
